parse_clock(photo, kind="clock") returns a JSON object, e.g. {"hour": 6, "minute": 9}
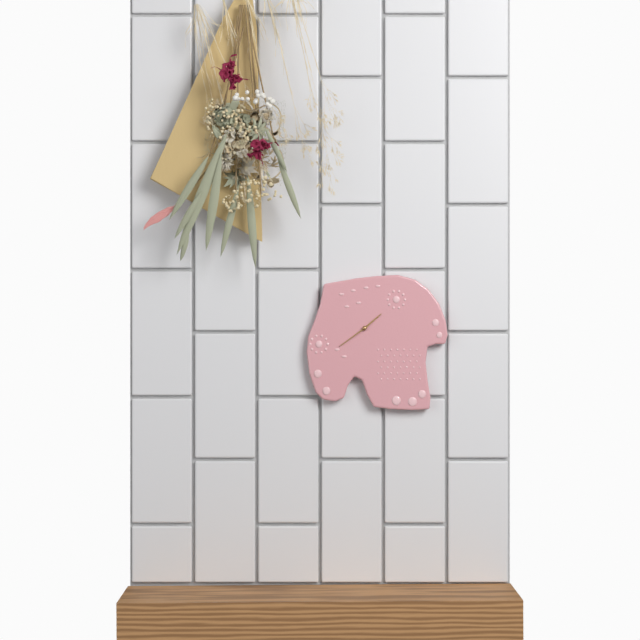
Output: {"hour": 1, "minute": 39}
